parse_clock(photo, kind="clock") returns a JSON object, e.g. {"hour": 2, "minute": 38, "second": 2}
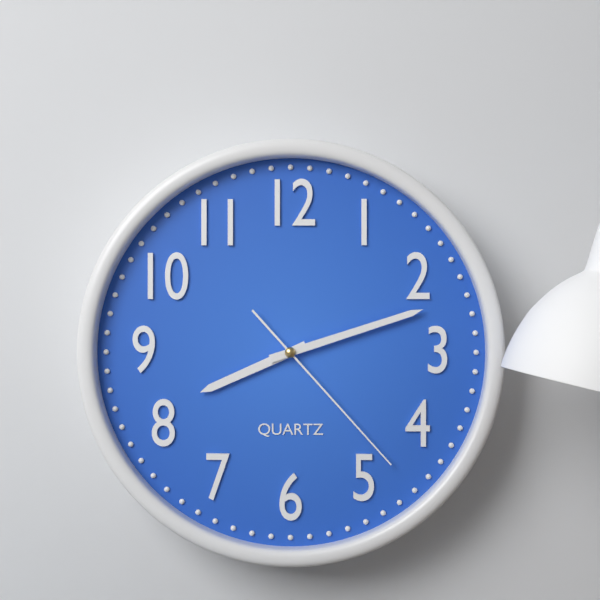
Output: {"hour": 8, "minute": 12, "second": 23}
